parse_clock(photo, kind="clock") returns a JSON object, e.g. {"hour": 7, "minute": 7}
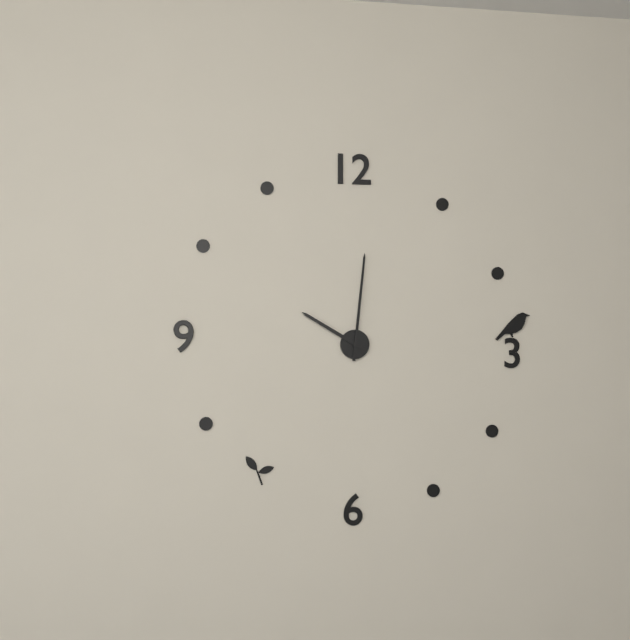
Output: {"hour": 10, "minute": 1}
